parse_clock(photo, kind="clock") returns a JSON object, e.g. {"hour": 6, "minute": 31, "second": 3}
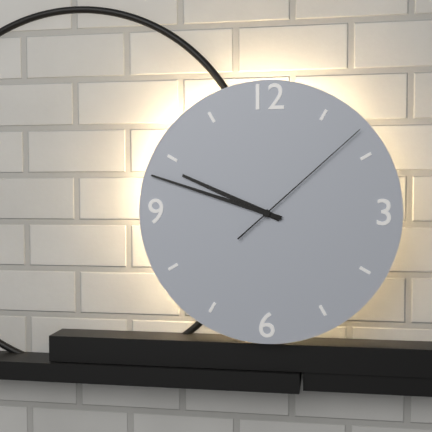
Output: {"hour": 9, "minute": 48, "second": 8}
